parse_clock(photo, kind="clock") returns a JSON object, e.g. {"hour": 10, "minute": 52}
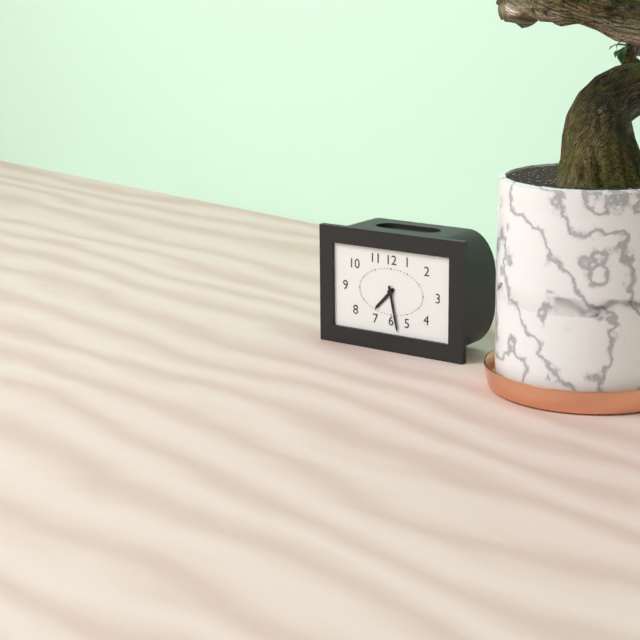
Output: {"hour": 7, "minute": 28}
